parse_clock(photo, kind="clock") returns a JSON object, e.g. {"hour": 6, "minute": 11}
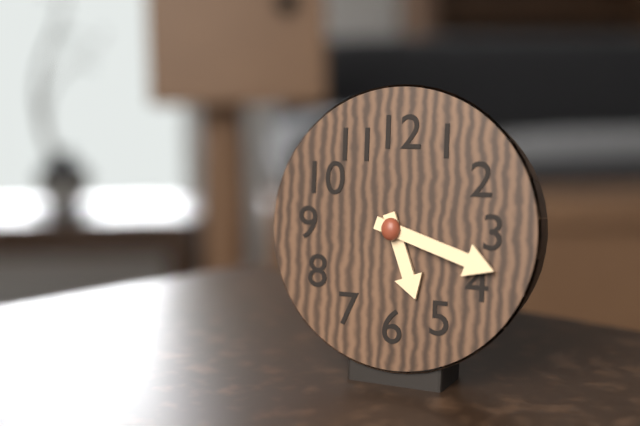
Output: {"hour": 5, "minute": 18}
